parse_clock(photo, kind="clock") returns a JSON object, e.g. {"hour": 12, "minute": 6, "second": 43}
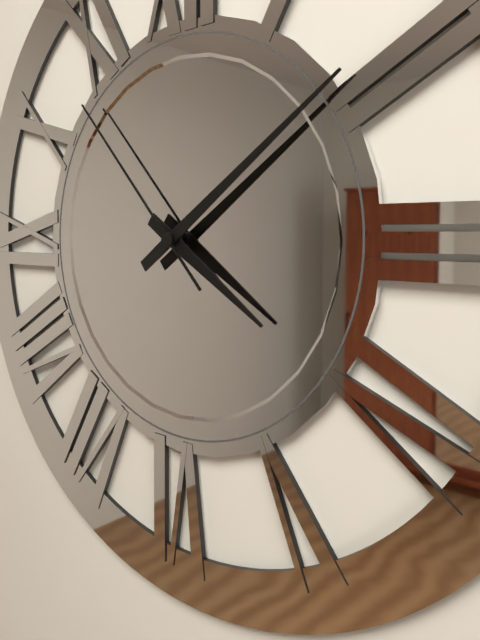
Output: {"hour": 4, "minute": 9, "second": 53}
